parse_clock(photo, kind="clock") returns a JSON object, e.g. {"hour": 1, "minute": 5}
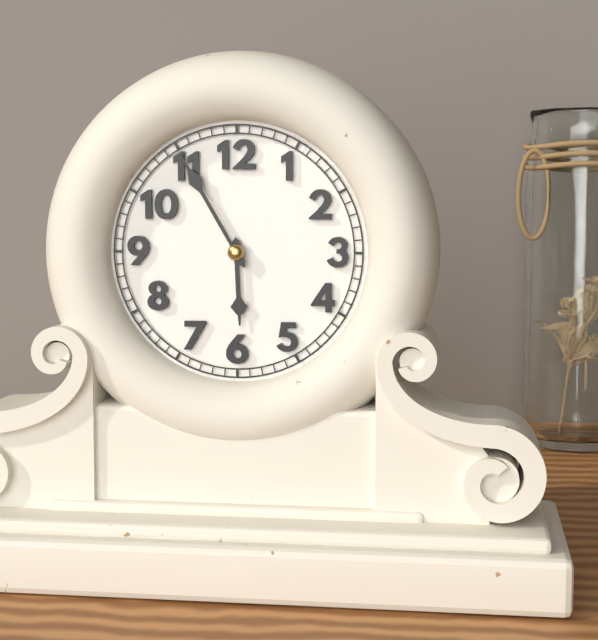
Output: {"hour": 5, "minute": 55}
